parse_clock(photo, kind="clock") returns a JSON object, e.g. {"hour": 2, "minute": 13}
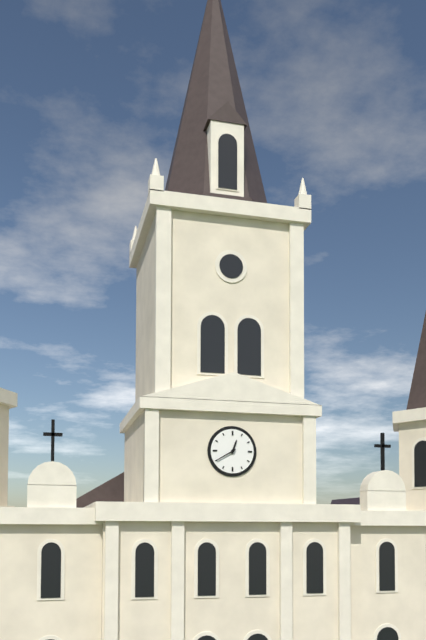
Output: {"hour": 12, "minute": 40}
